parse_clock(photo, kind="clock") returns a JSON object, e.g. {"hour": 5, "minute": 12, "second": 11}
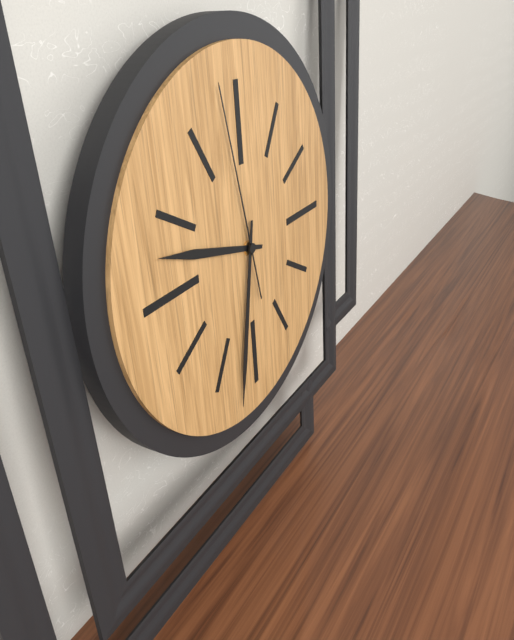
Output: {"hour": 9, "minute": 32, "second": 58}
